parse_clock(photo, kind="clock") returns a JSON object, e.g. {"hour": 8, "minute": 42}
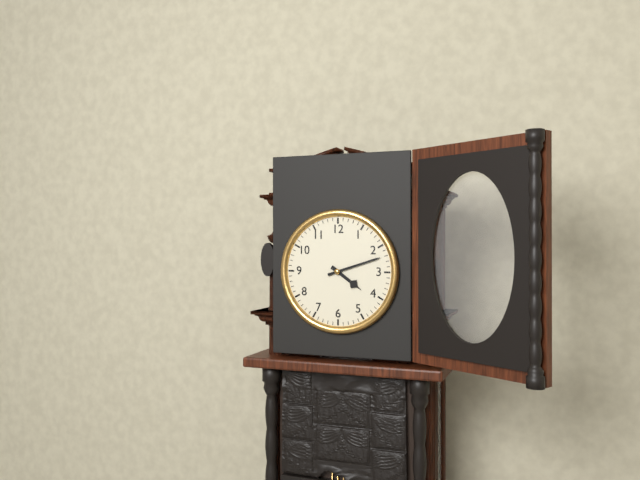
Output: {"hour": 4, "minute": 12}
